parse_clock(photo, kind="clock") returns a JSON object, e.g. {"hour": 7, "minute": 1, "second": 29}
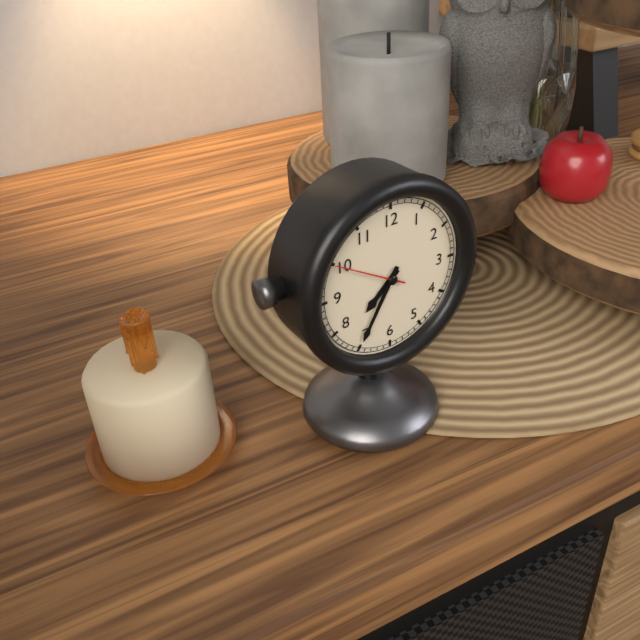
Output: {"hour": 7, "minute": 35, "second": 50}
